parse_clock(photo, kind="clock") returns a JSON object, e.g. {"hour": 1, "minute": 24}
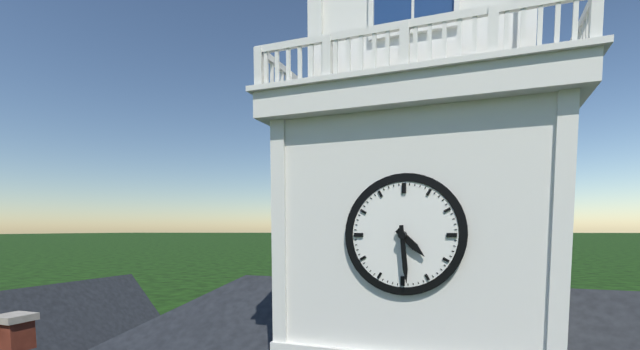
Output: {"hour": 4, "minute": 29}
